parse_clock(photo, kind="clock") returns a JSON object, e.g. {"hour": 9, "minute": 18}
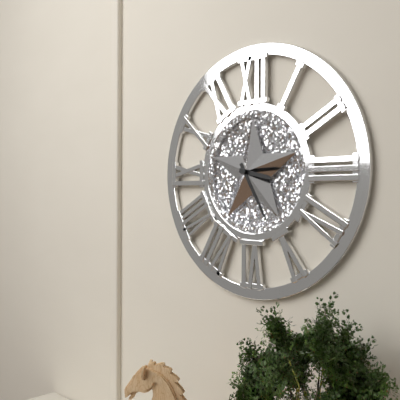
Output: {"hour": 3, "minute": 25}
